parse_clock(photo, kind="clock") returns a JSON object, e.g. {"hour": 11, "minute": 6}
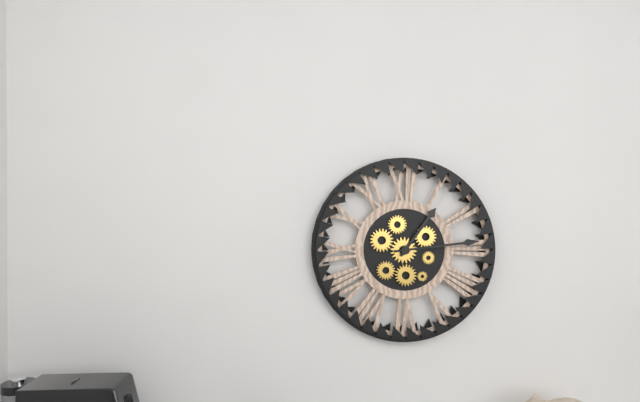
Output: {"hour": 1, "minute": 14}
